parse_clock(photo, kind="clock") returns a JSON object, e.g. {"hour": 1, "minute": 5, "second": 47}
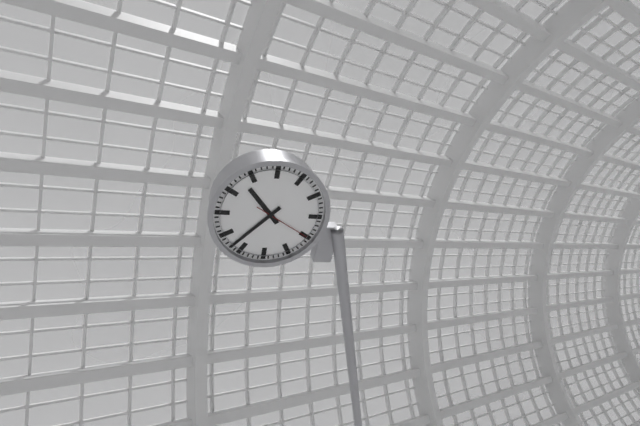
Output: {"hour": 10, "minute": 37, "second": 20}
